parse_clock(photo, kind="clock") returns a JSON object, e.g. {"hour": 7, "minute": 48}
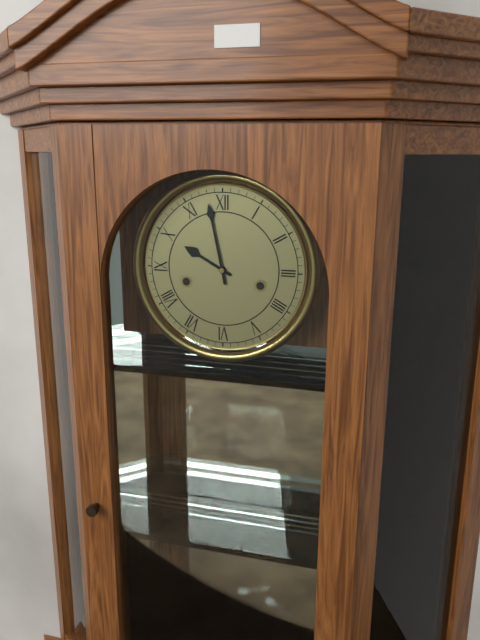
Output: {"hour": 9, "minute": 58}
